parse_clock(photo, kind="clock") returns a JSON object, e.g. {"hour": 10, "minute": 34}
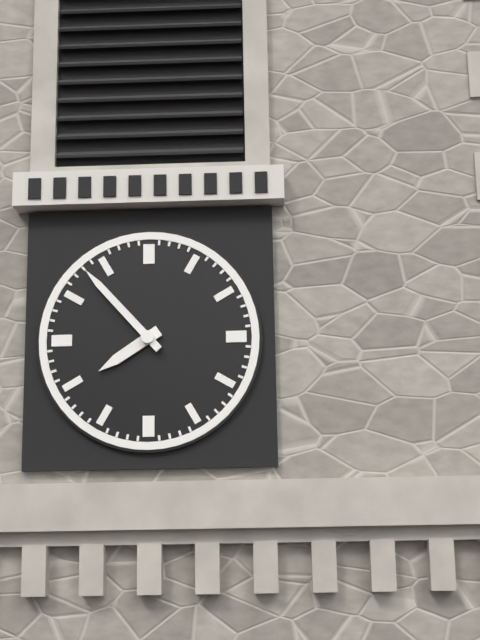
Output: {"hour": 7, "minute": 53}
